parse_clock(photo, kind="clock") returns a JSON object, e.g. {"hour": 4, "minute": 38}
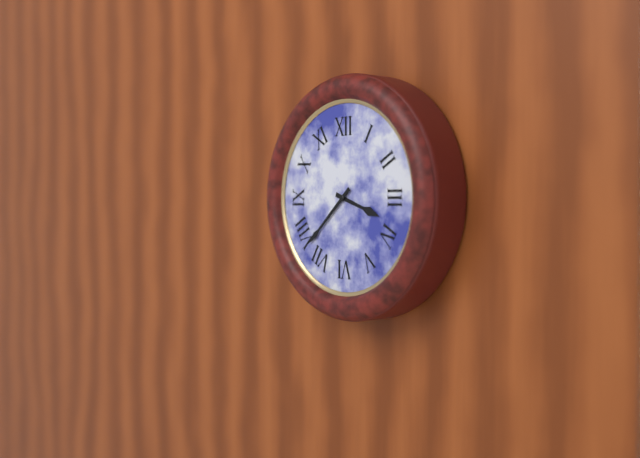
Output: {"hour": 3, "minute": 38}
